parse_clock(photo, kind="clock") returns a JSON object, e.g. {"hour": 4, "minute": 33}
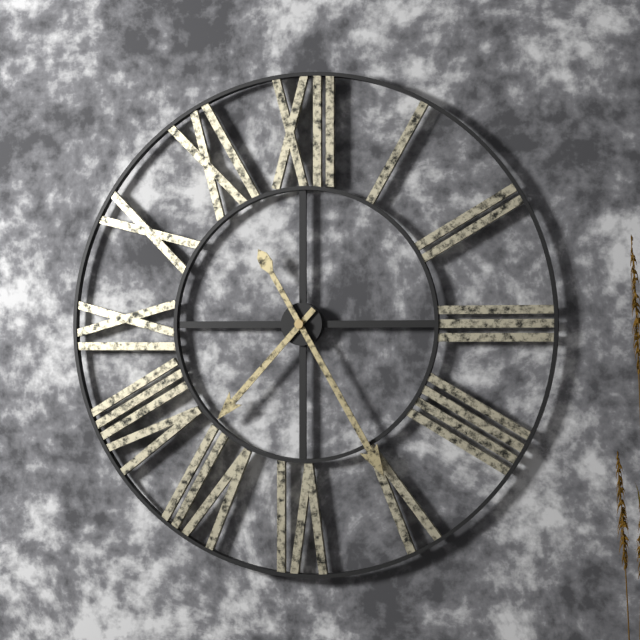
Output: {"hour": 7, "minute": 25}
